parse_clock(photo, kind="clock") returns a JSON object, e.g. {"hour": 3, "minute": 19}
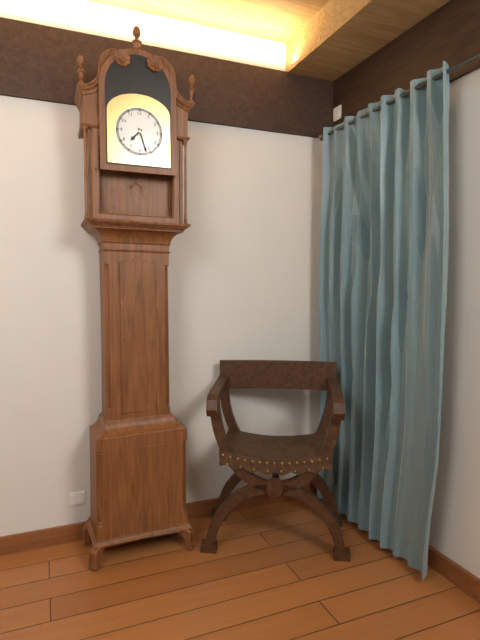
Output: {"hour": 7, "minute": 27}
